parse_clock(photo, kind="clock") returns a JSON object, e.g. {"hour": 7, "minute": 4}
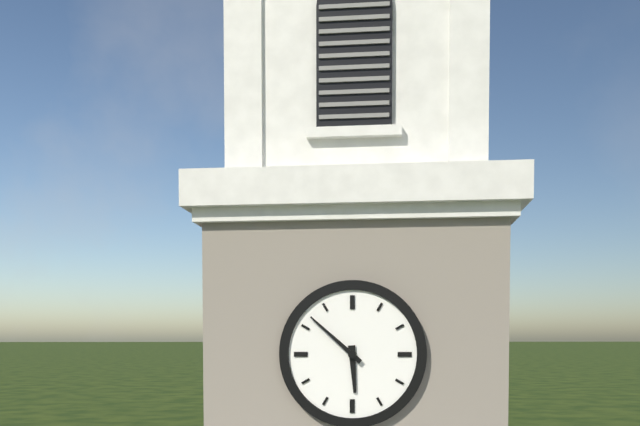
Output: {"hour": 5, "minute": 52}
